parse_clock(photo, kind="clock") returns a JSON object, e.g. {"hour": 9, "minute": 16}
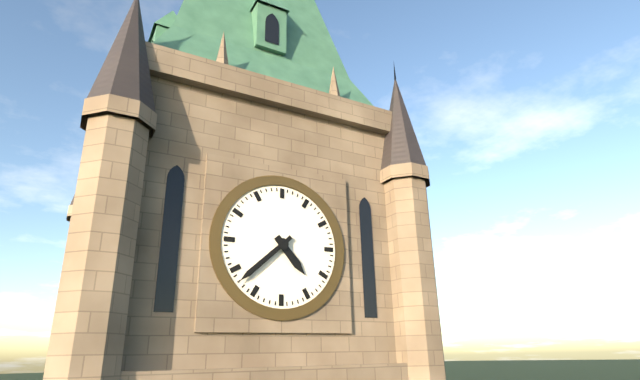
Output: {"hour": 4, "minute": 38}
